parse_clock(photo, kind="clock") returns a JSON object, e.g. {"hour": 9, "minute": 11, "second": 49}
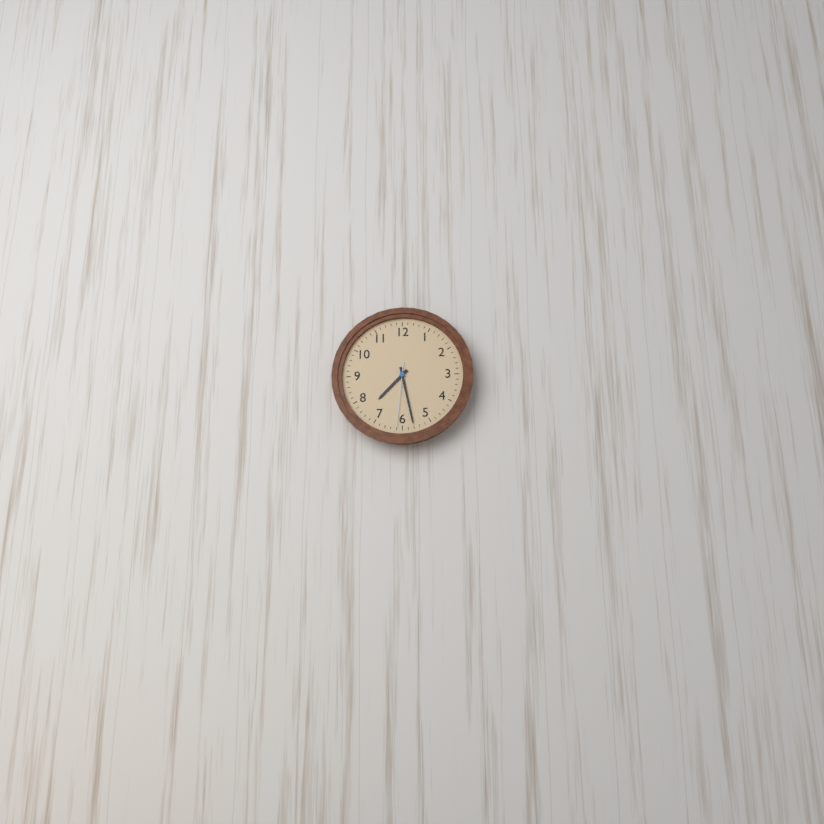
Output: {"hour": 7, "minute": 28, "second": 31}
